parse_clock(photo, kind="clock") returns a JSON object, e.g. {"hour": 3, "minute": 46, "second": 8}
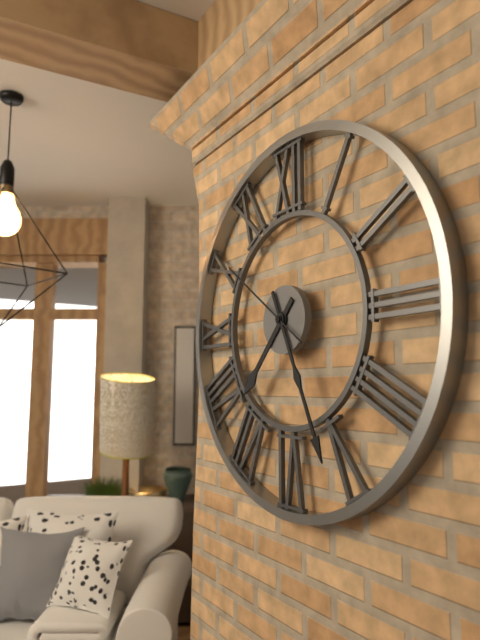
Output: {"hour": 7, "minute": 26, "second": 51}
